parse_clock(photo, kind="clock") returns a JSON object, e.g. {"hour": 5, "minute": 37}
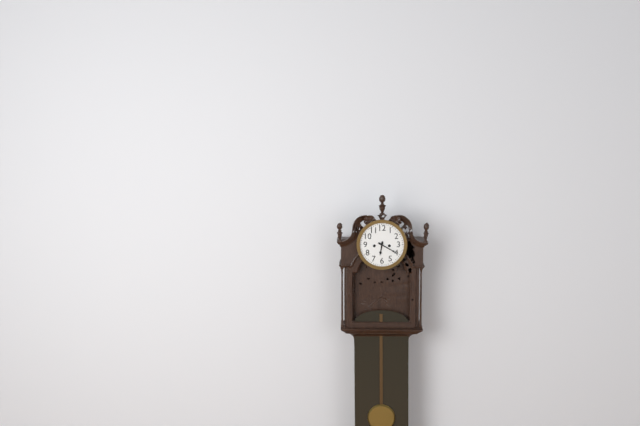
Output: {"hour": 6, "minute": 20}
